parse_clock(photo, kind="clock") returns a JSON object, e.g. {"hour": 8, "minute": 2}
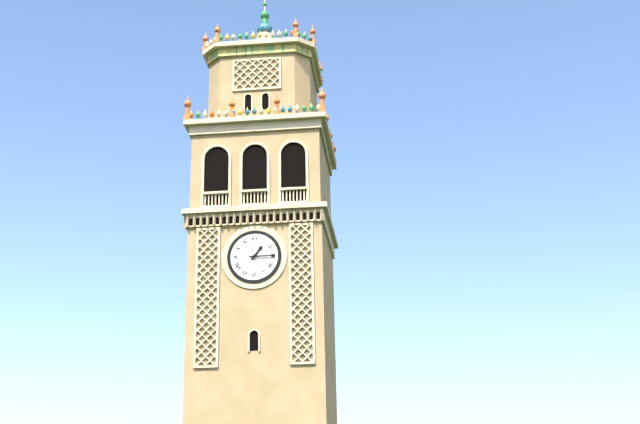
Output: {"hour": 1, "minute": 15}
